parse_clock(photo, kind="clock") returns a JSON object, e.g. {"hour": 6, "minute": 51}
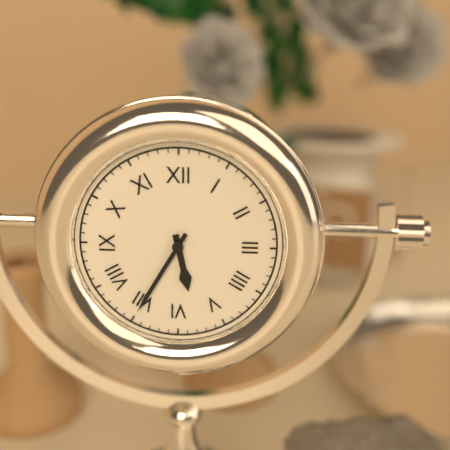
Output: {"hour": 5, "minute": 35}
